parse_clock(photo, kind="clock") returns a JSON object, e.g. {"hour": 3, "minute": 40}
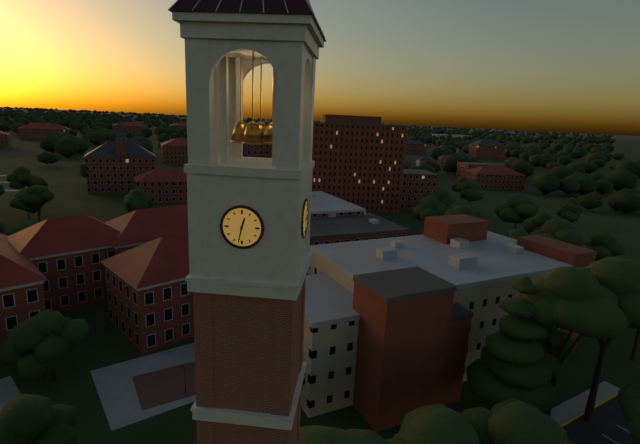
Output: {"hour": 12, "minute": 32}
